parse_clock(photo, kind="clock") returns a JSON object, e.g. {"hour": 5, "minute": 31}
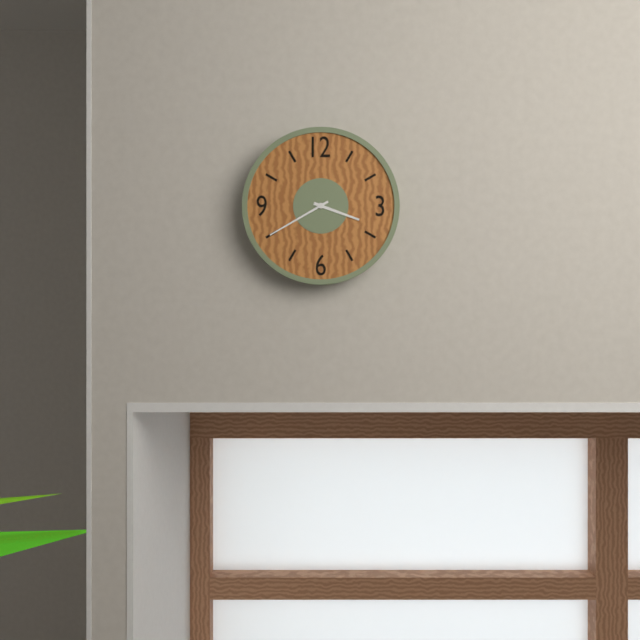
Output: {"hour": 3, "minute": 40}
